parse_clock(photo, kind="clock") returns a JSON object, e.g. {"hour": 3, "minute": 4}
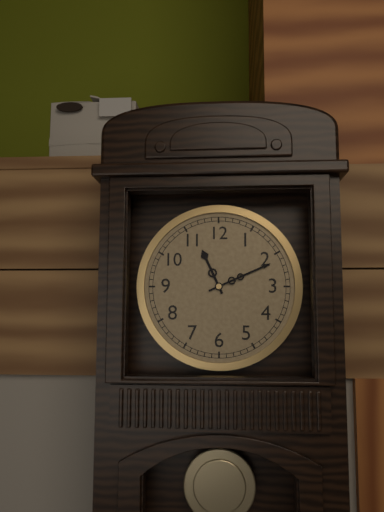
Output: {"hour": 11, "minute": 11}
